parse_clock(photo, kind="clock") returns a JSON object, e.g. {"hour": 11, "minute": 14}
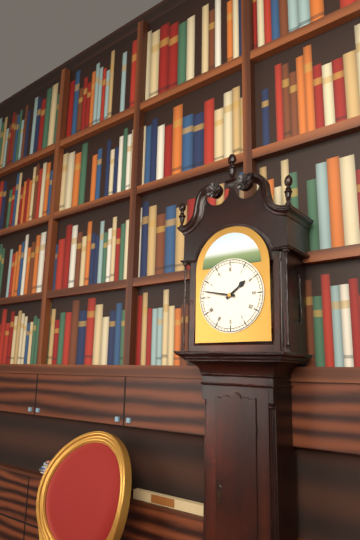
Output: {"hour": 1, "minute": 47}
